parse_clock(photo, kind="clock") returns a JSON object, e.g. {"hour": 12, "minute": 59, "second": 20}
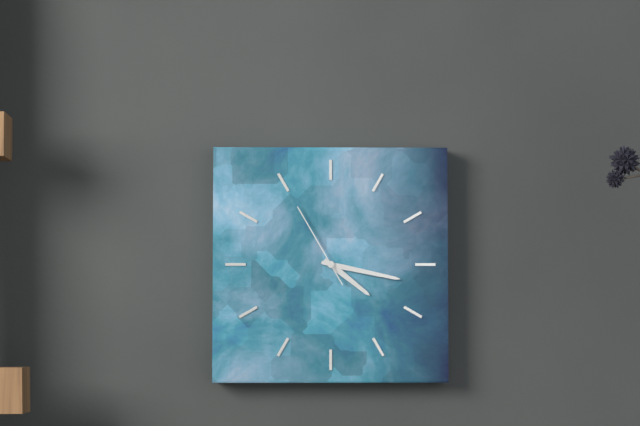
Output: {"hour": 4, "minute": 17, "second": 55}
